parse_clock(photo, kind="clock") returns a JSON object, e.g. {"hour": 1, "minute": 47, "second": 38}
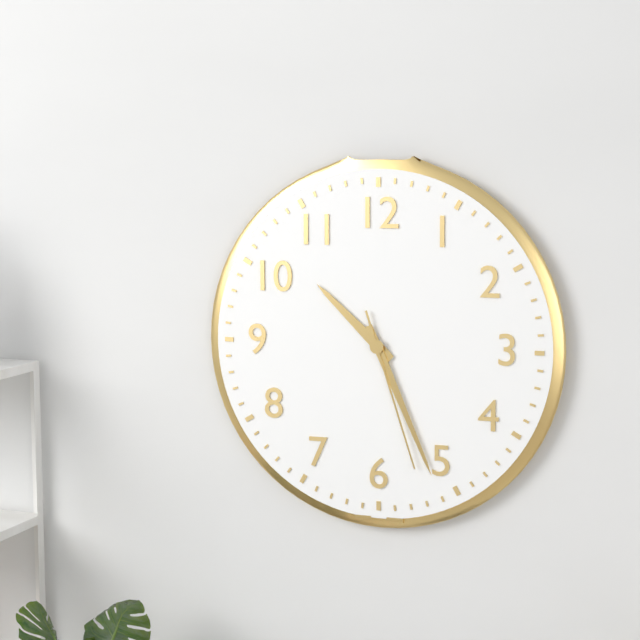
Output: {"hour": 10, "minute": 26, "second": 27}
